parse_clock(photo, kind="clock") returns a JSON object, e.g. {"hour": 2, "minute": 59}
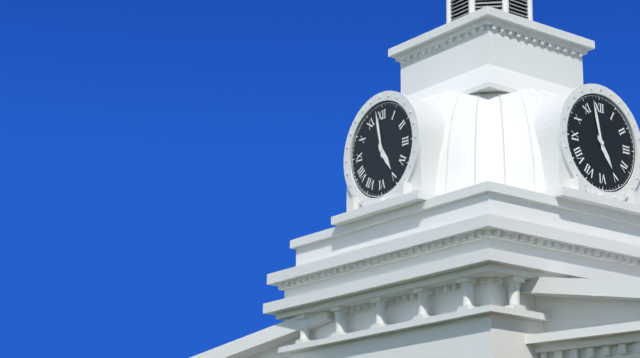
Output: {"hour": 4, "minute": 58}
